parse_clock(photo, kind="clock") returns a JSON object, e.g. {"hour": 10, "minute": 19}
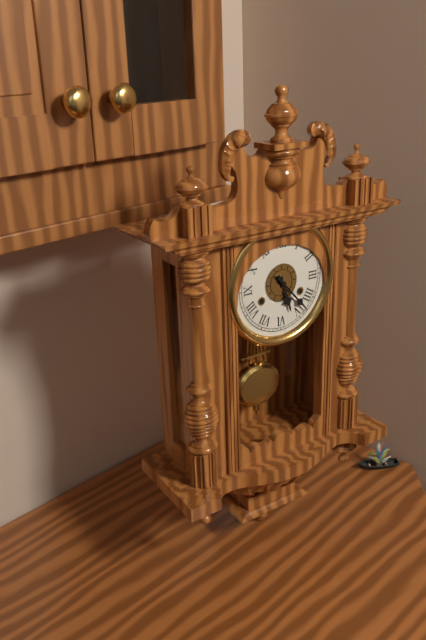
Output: {"hour": 5, "minute": 23}
